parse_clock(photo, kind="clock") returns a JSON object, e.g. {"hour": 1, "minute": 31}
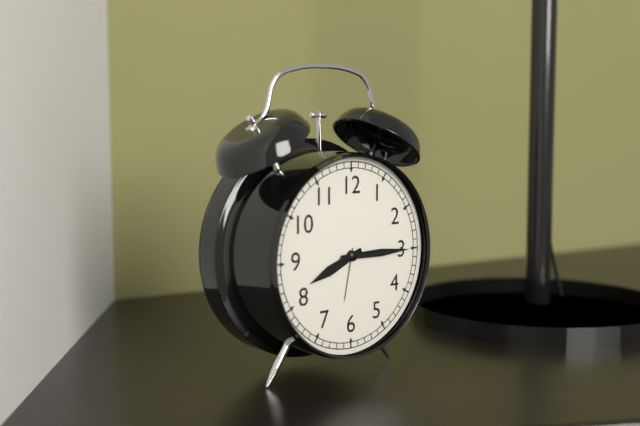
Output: {"hour": 8, "minute": 15}
